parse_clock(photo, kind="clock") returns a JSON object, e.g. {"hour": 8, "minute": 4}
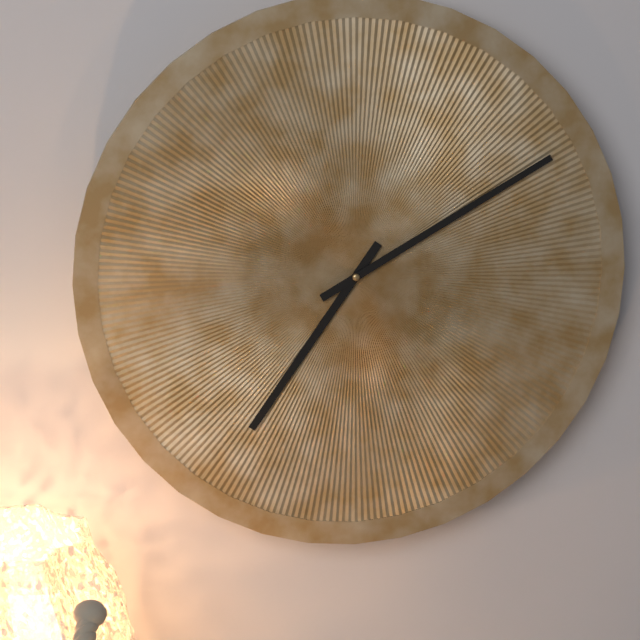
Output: {"hour": 7, "minute": 10}
